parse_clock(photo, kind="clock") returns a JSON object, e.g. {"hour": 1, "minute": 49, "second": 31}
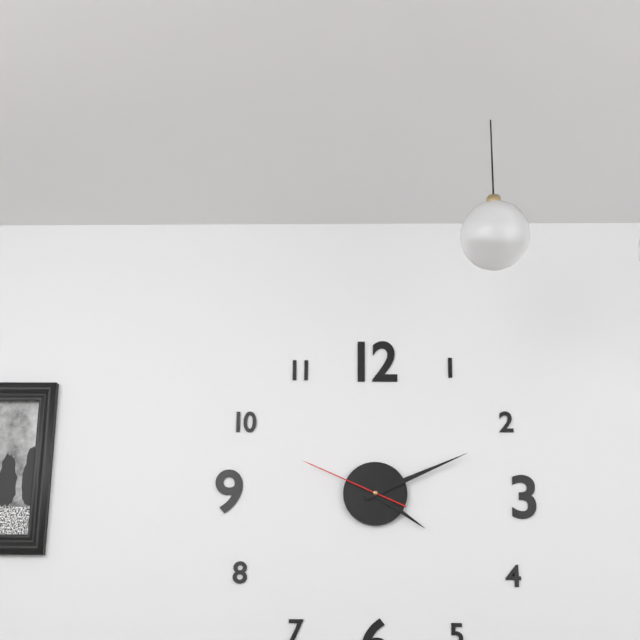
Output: {"hour": 4, "minute": 11, "second": 49}
